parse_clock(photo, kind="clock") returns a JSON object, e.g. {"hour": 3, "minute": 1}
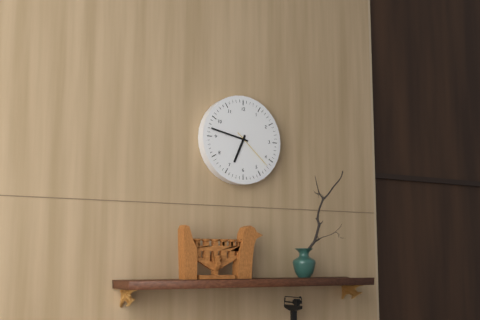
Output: {"hour": 6, "minute": 47}
